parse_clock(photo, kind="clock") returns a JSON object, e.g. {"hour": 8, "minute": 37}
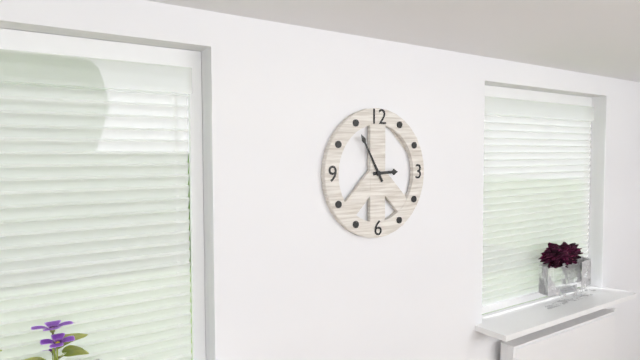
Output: {"hour": 2, "minute": 55}
